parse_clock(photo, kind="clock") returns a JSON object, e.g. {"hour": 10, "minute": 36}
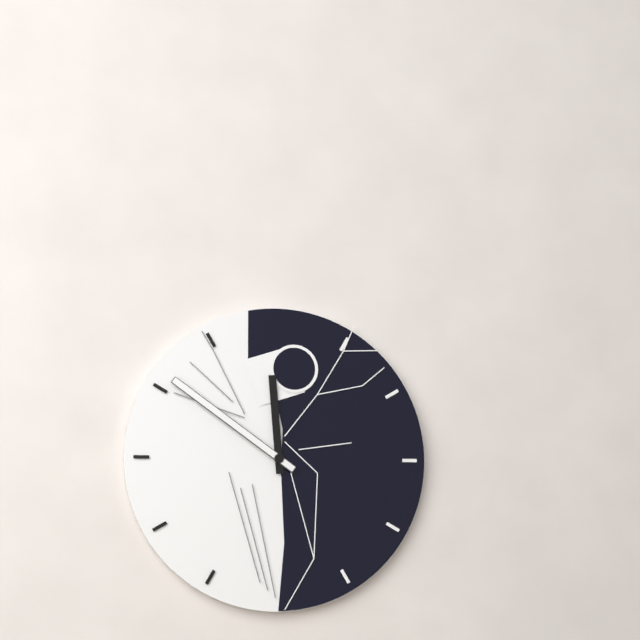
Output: {"hour": 11, "minute": 51}
